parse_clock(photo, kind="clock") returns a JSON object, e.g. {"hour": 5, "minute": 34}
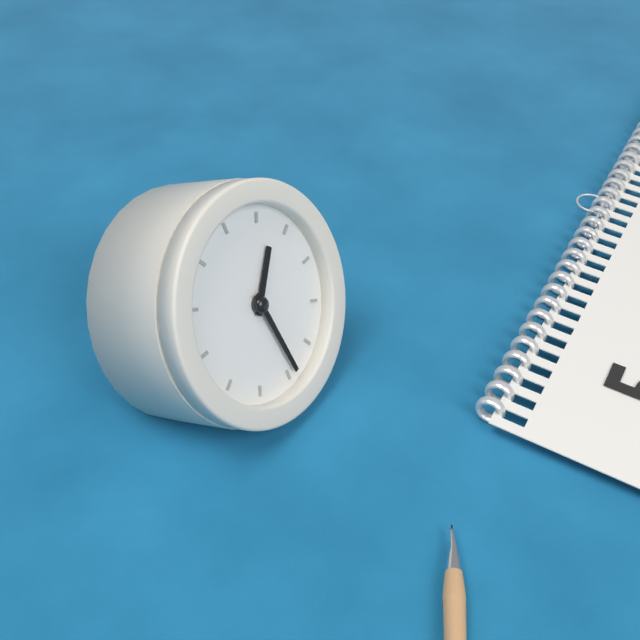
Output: {"hour": 1, "minute": 29}
